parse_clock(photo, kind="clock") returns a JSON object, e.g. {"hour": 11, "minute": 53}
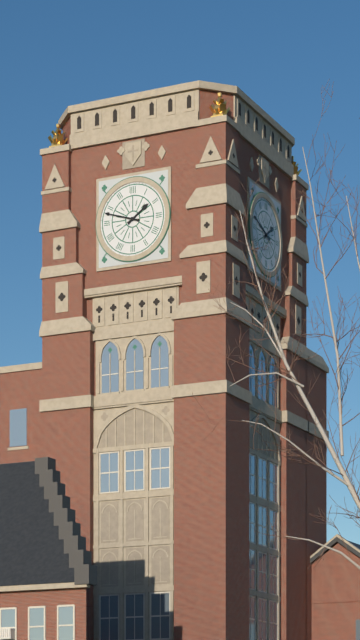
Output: {"hour": 1, "minute": 48}
